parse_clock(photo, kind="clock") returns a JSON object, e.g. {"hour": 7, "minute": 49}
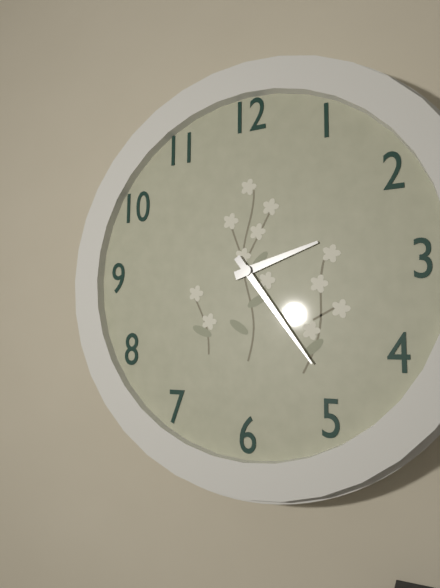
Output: {"hour": 2, "minute": 24}
